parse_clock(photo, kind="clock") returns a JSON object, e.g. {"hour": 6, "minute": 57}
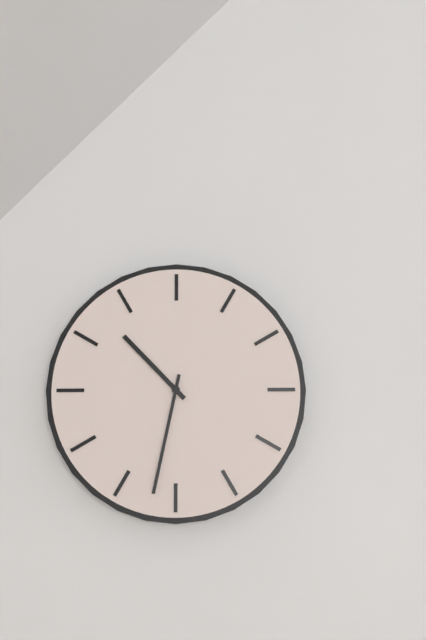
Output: {"hour": 10, "minute": 32}
